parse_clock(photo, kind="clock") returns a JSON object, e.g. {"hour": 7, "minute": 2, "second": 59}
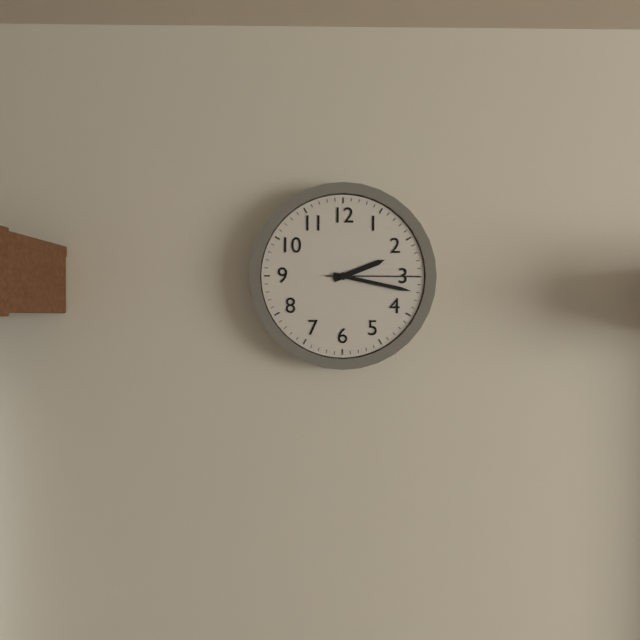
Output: {"hour": 2, "minute": 17, "second": 15}
